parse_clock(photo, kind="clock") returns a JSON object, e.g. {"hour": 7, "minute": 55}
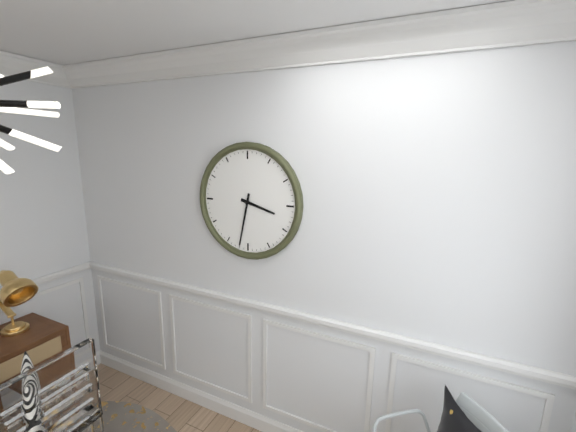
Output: {"hour": 3, "minute": 32}
